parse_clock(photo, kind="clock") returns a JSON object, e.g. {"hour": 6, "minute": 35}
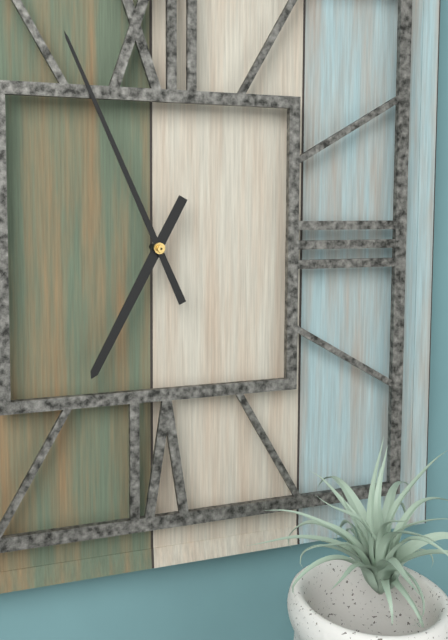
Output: {"hour": 6, "minute": 56}
